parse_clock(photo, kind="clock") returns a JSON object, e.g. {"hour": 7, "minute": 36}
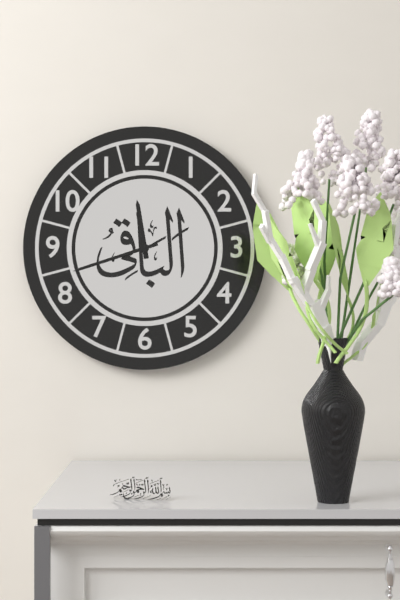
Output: {"hour": 11, "minute": 42}
